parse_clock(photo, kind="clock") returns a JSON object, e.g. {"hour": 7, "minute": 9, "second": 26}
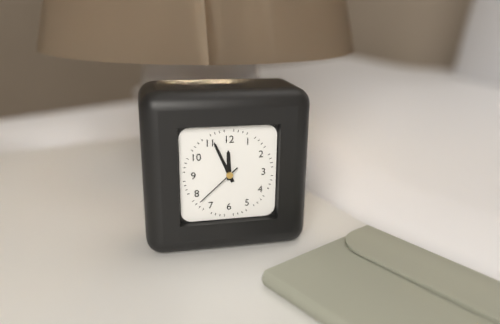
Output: {"hour": 11, "minute": 56, "second": 38}
